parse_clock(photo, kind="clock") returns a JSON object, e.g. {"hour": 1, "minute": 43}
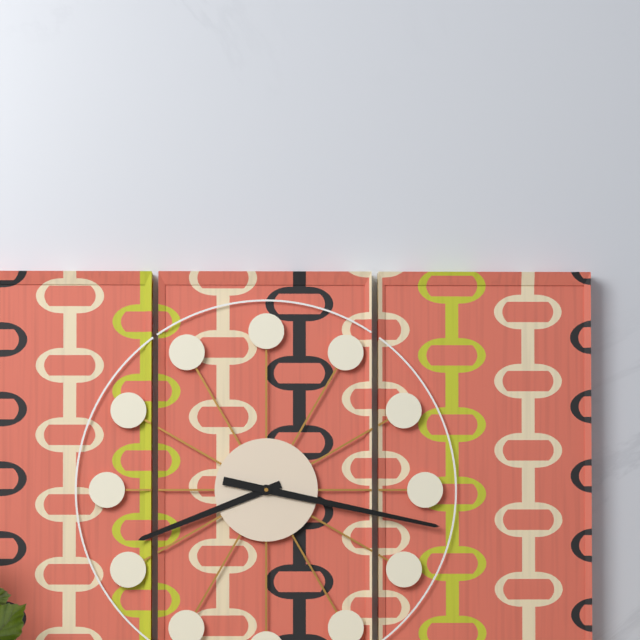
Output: {"hour": 8, "minute": 17}
